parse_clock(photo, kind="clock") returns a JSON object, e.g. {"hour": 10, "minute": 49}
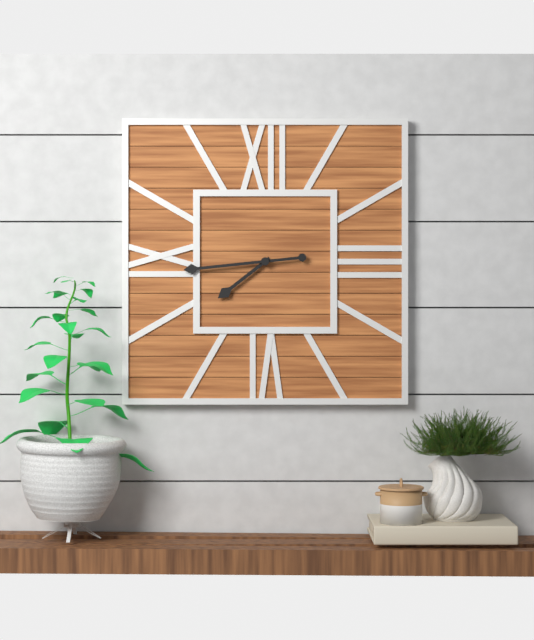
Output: {"hour": 7, "minute": 44}
